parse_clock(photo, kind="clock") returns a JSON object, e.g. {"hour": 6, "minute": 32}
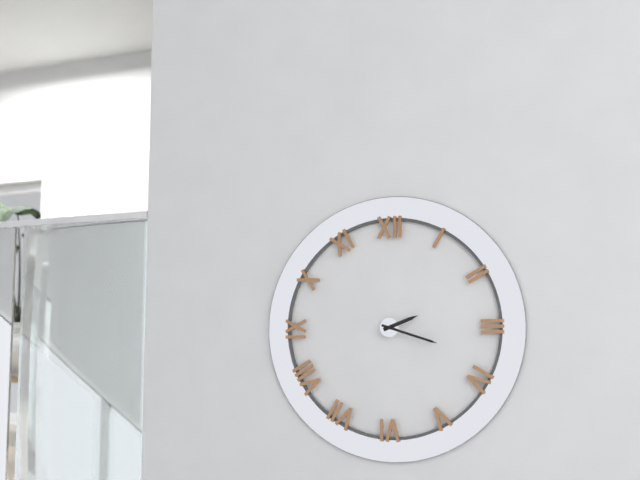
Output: {"hour": 2, "minute": 18}
